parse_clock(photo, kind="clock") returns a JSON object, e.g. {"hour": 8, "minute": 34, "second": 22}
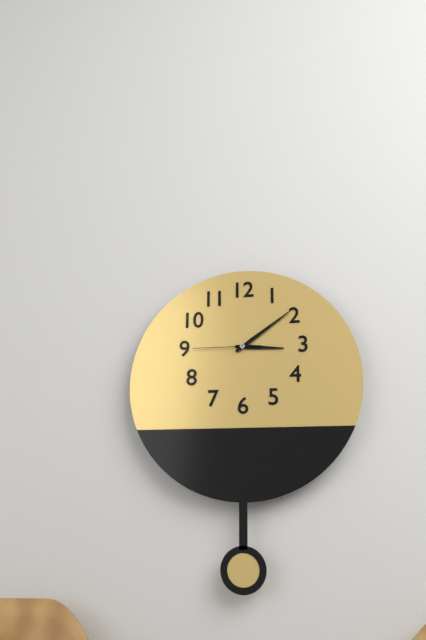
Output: {"hour": 3, "minute": 9, "second": 45}
